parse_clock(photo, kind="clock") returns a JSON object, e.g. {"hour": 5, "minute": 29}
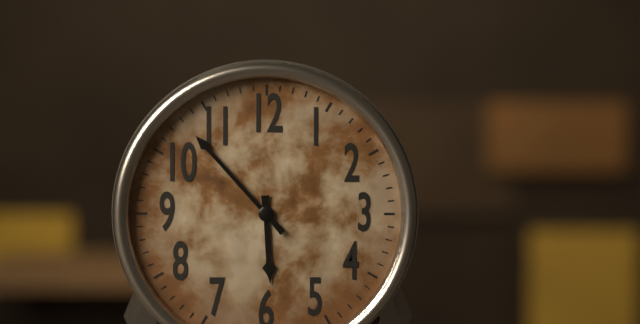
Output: {"hour": 5, "minute": 53}
